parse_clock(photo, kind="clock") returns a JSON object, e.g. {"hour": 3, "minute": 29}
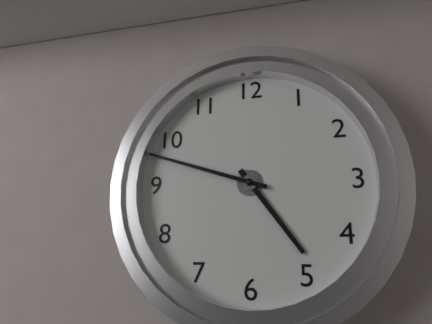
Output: {"hour": 4, "minute": 48}
